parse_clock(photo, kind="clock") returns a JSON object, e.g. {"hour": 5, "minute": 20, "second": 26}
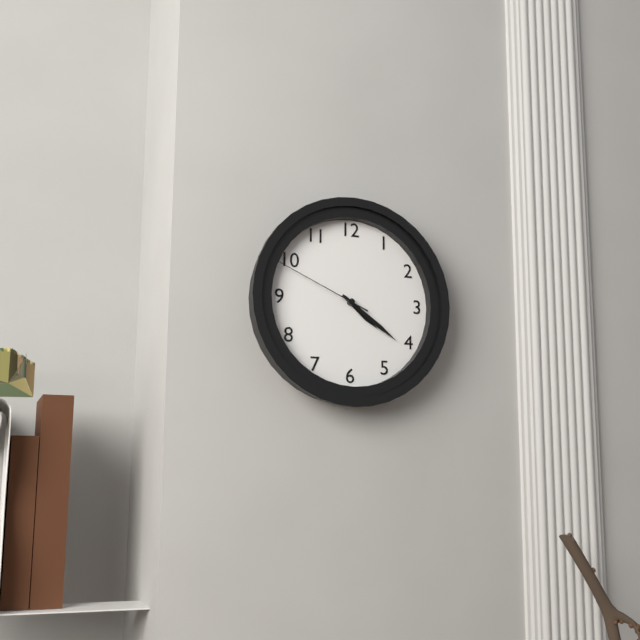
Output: {"hour": 4, "minute": 21, "second": 49}
